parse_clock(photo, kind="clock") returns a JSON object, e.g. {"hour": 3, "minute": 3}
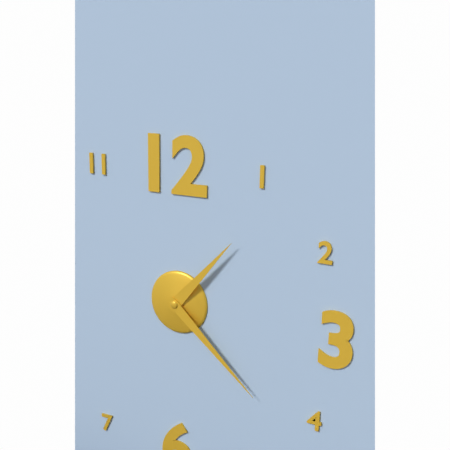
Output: {"hour": 1, "minute": 22}
